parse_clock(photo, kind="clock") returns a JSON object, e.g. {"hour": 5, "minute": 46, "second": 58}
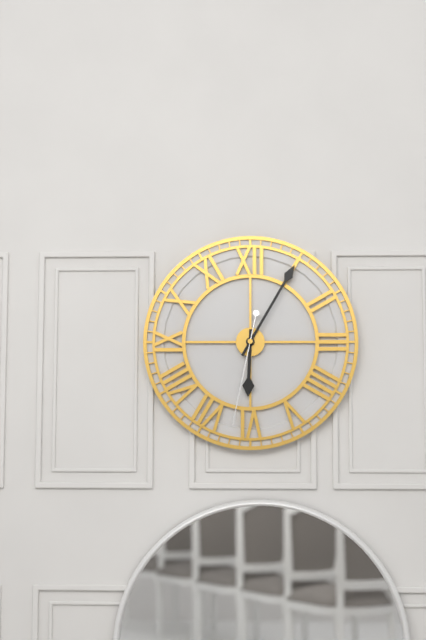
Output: {"hour": 6, "minute": 5, "second": 32}
